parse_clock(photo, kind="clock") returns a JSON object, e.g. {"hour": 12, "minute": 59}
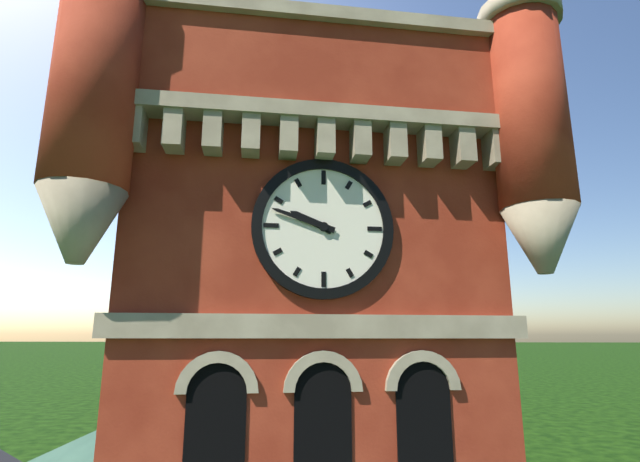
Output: {"hour": 9, "minute": 48}
